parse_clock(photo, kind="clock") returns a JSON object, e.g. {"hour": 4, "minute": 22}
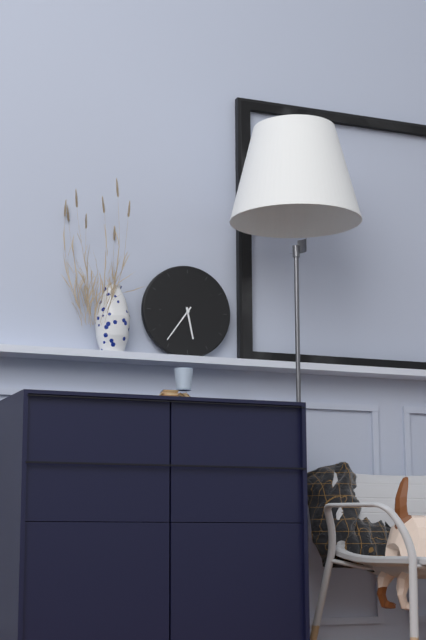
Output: {"hour": 5, "minute": 36}
